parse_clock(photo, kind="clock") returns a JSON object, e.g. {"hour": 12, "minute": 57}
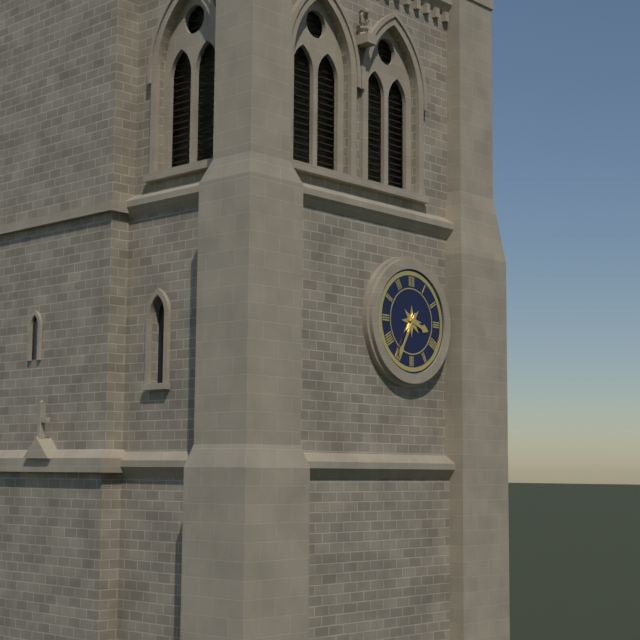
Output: {"hour": 3, "minute": 35}
